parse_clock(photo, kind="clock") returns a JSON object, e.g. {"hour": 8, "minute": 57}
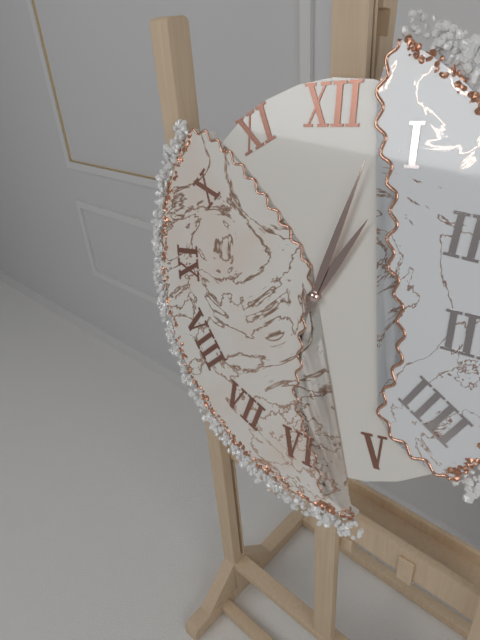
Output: {"hour": 1, "minute": 3}
